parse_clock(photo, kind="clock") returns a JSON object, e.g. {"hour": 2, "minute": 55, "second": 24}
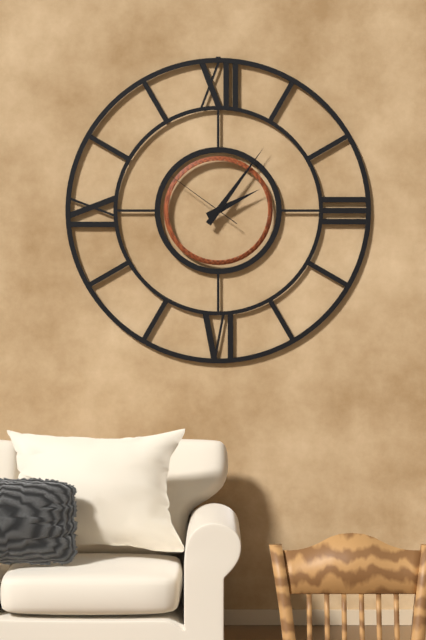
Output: {"hour": 2, "minute": 6, "second": 51}
